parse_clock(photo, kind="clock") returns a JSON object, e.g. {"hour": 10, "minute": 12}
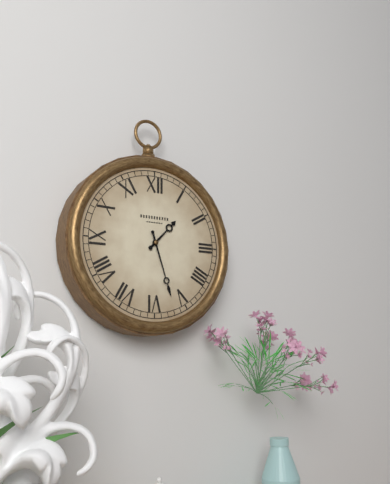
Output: {"hour": 1, "minute": 27}
